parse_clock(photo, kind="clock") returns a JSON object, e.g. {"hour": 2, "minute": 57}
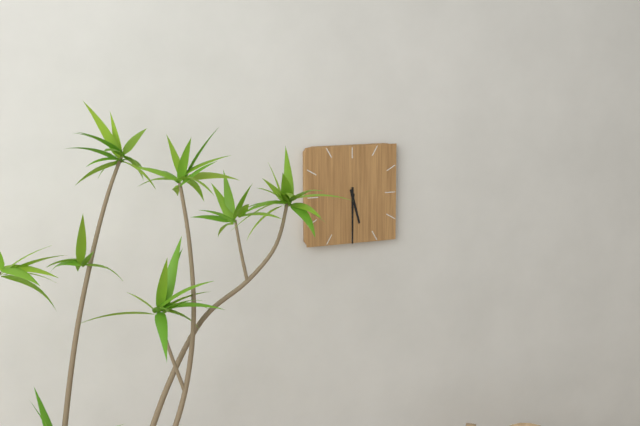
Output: {"hour": 5, "minute": 30}
